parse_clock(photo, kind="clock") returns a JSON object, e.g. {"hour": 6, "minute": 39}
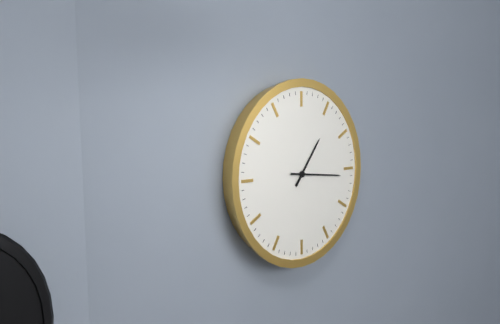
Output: {"hour": 1, "minute": 16}
